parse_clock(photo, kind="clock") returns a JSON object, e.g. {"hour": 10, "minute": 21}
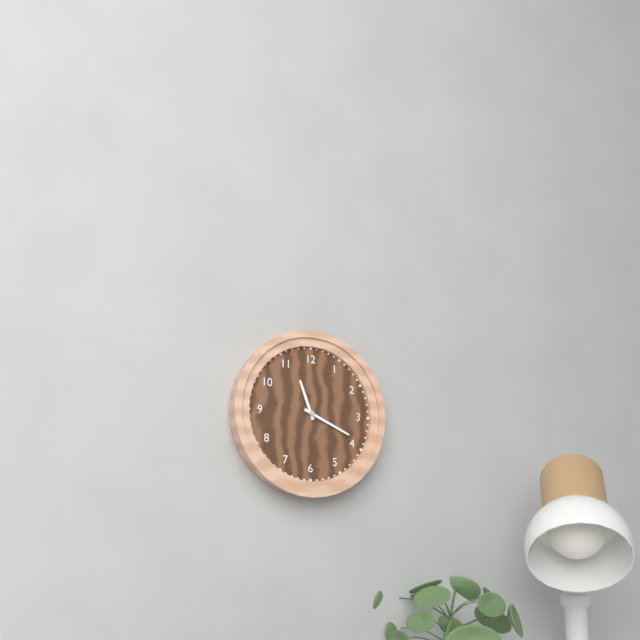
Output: {"hour": 11, "minute": 19}
